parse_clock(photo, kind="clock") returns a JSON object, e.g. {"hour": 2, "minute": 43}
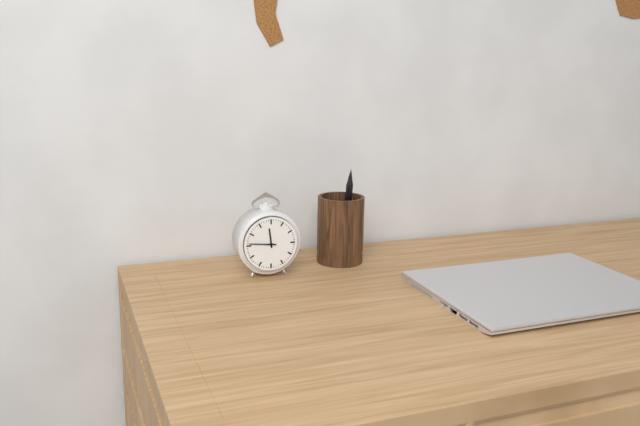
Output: {"hour": 11, "minute": 46}
